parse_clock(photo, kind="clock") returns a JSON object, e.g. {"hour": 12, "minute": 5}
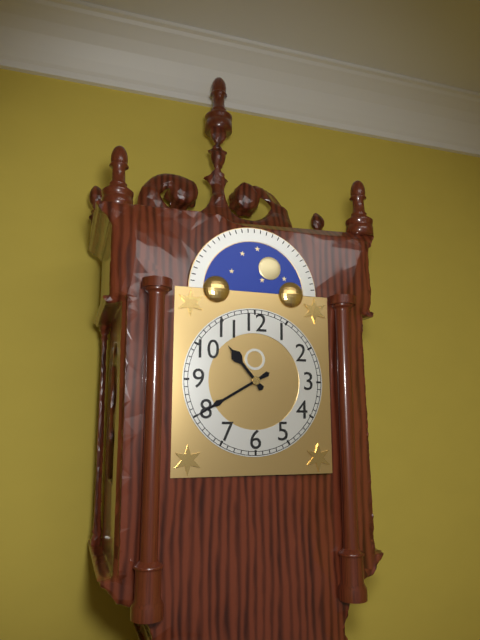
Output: {"hour": 10, "minute": 40}
